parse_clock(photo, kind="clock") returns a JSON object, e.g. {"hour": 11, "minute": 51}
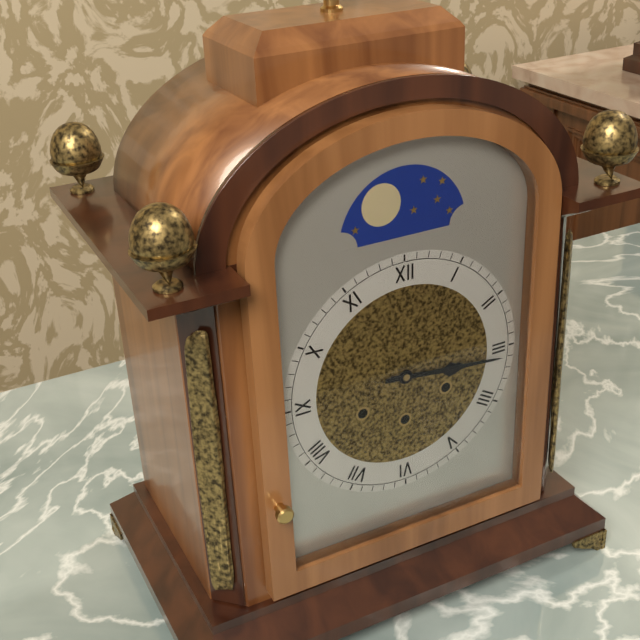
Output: {"hour": 3, "minute": 16}
